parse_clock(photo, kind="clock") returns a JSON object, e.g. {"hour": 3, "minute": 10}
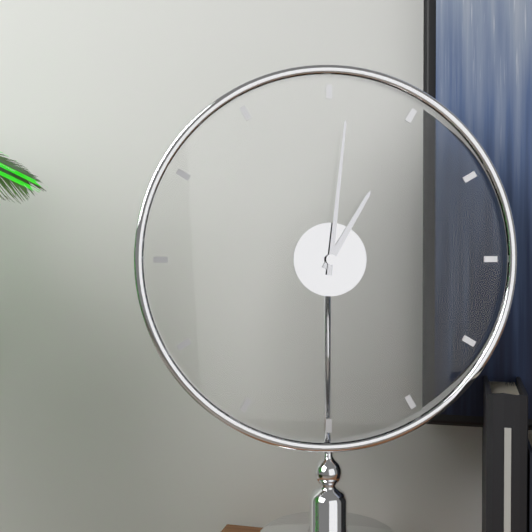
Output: {"hour": 1, "minute": 1}
